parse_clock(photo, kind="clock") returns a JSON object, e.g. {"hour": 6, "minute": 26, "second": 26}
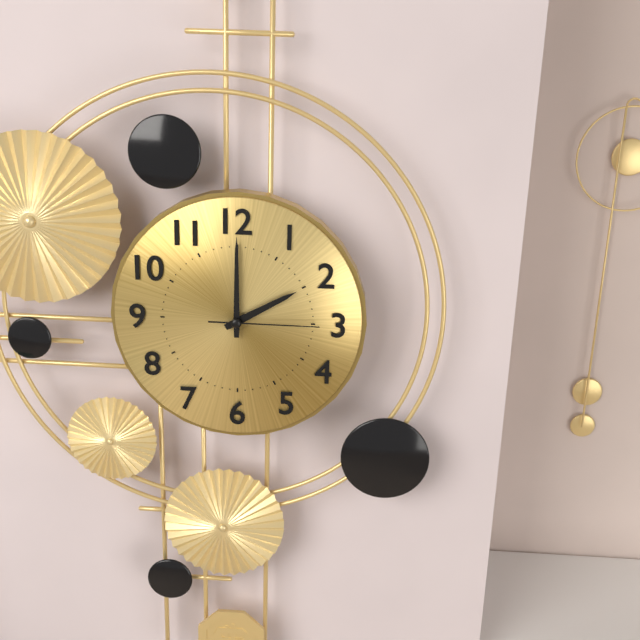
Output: {"hour": 2, "minute": 0, "second": 15}
